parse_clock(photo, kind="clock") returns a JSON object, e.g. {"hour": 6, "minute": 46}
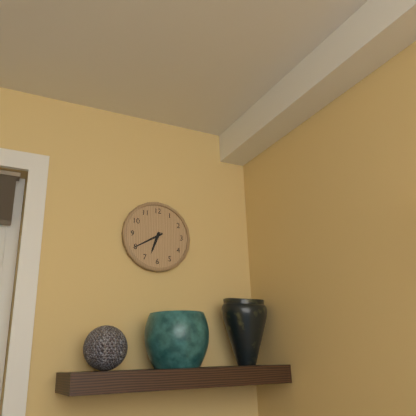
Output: {"hour": 6, "minute": 40}
